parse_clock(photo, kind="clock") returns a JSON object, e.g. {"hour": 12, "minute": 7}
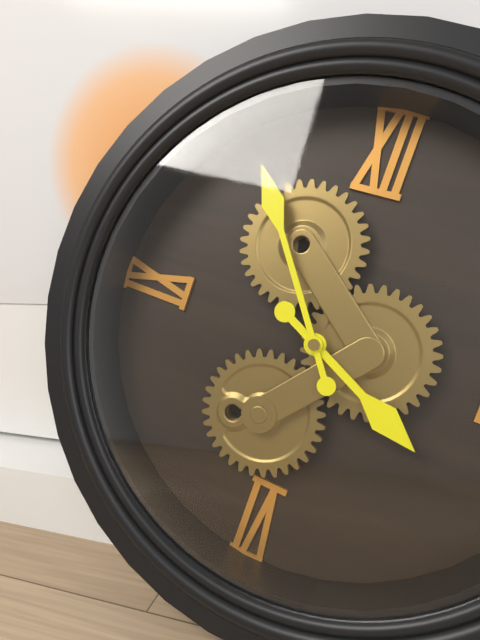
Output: {"hour": 3, "minute": 54}
